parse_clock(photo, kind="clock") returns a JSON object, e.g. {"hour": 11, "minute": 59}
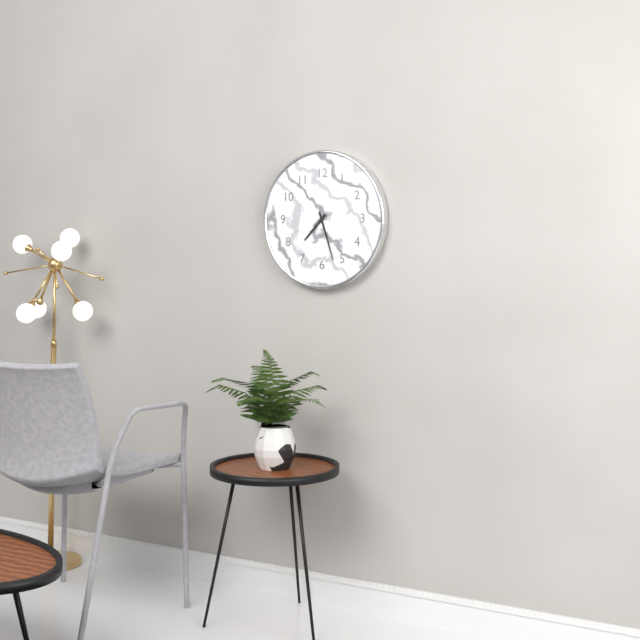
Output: {"hour": 7, "minute": 27}
